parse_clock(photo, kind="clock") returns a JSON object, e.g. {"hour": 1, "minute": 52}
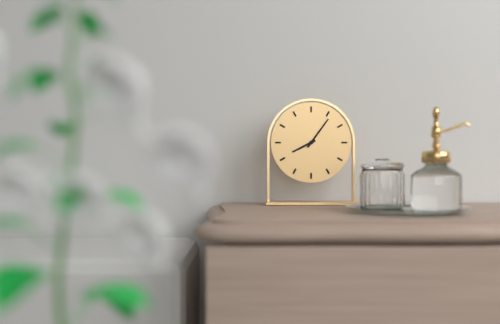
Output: {"hour": 8, "minute": 6}
